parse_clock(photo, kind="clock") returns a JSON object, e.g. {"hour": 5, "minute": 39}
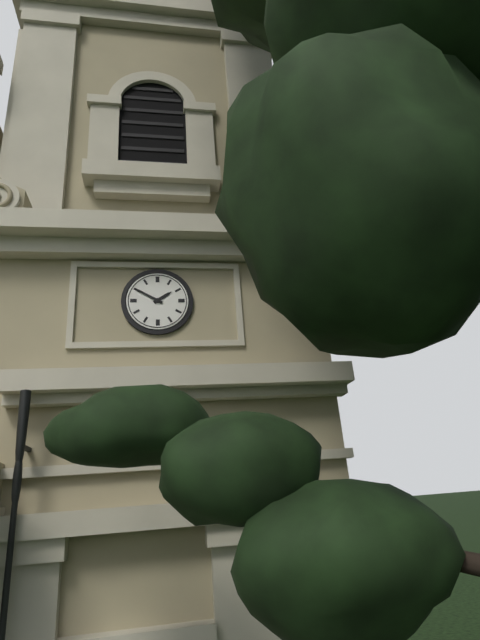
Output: {"hour": 1, "minute": 50}
